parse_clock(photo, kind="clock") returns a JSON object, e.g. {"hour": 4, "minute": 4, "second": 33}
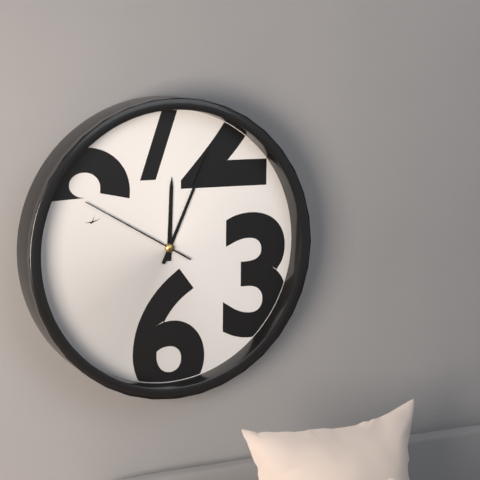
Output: {"hour": 12, "minute": 4, "second": 50}
